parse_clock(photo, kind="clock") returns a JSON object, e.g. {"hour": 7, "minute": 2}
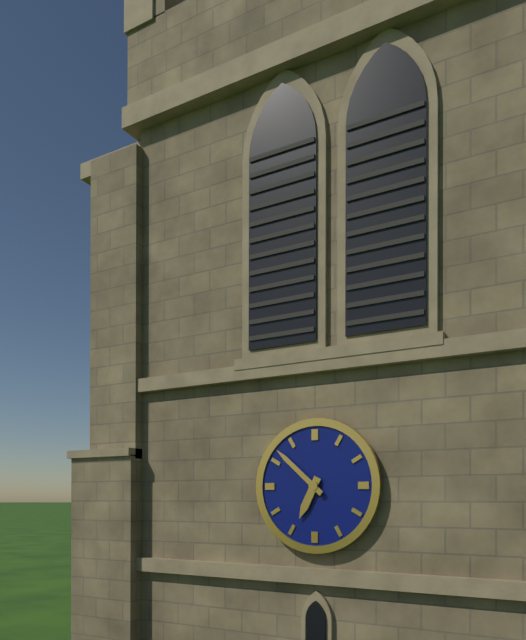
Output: {"hour": 6, "minute": 52}
